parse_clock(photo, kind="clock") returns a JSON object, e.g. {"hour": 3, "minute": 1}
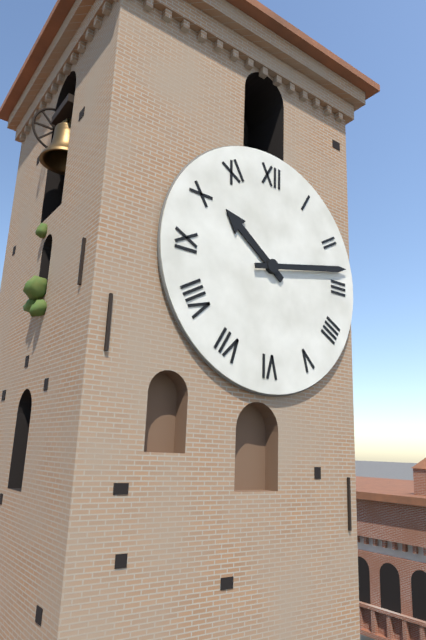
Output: {"hour": 10, "minute": 13}
